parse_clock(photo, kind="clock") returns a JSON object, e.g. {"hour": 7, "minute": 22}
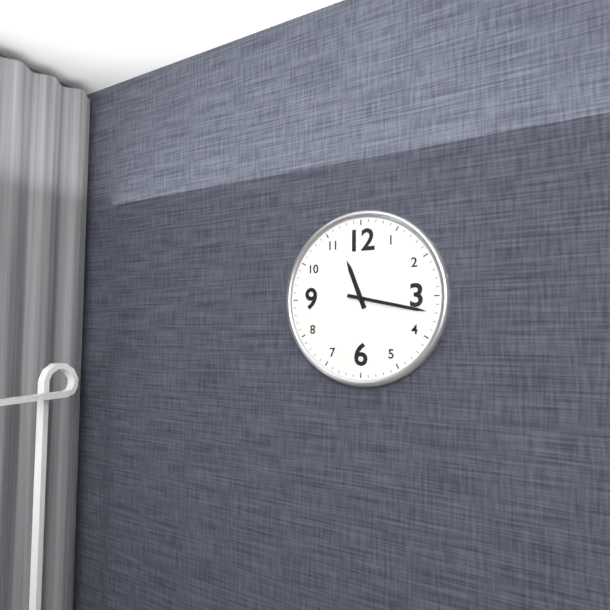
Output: {"hour": 11, "minute": 17}
